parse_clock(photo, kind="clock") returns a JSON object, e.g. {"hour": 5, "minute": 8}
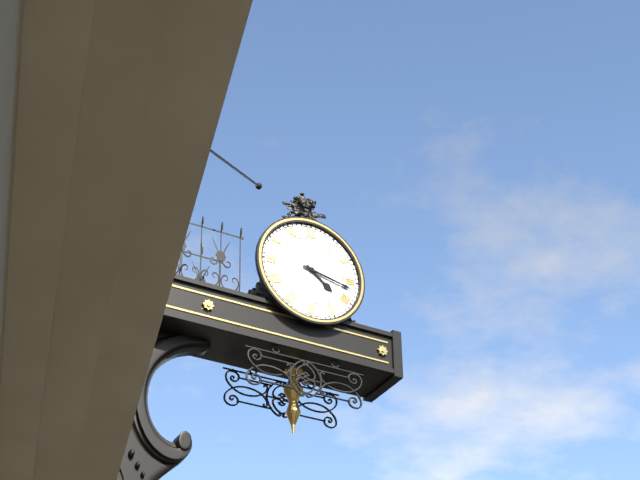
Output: {"hour": 4, "minute": 17}
